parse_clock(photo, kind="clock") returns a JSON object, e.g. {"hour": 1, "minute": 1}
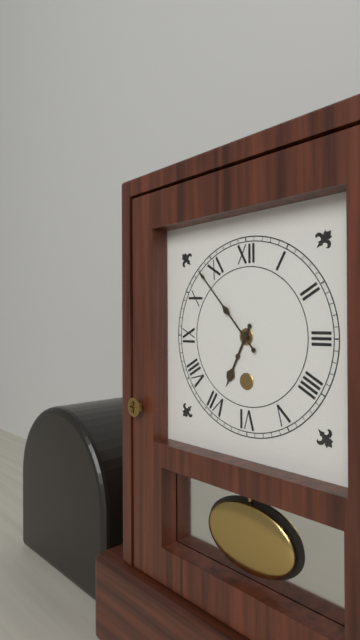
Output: {"hour": 6, "minute": 53}
